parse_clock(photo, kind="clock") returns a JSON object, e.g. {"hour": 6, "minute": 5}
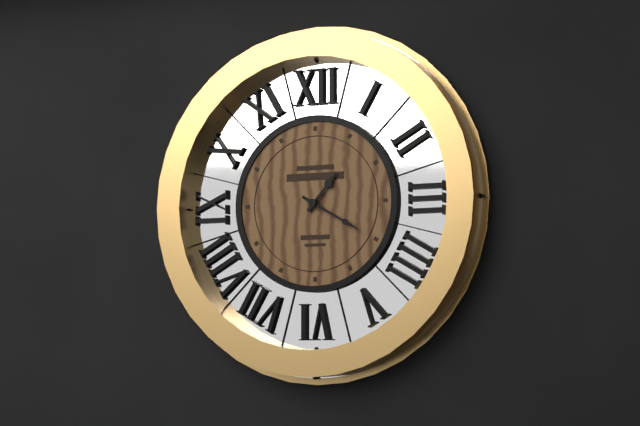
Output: {"hour": 1, "minute": 20}
